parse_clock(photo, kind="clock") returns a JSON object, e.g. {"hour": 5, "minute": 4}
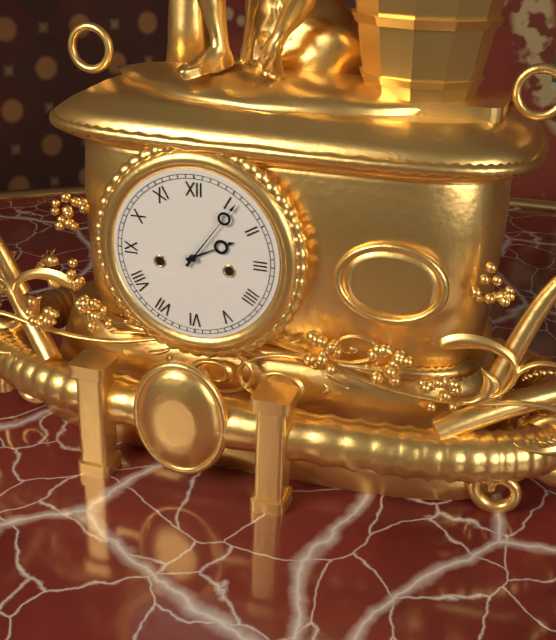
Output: {"hour": 2, "minute": 6}
